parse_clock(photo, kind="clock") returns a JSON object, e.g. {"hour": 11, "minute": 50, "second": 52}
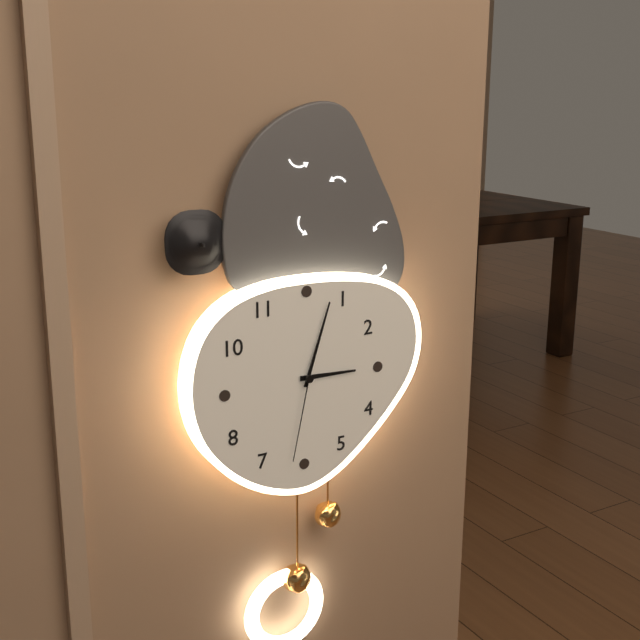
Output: {"hour": 3, "minute": 3, "second": 32}
